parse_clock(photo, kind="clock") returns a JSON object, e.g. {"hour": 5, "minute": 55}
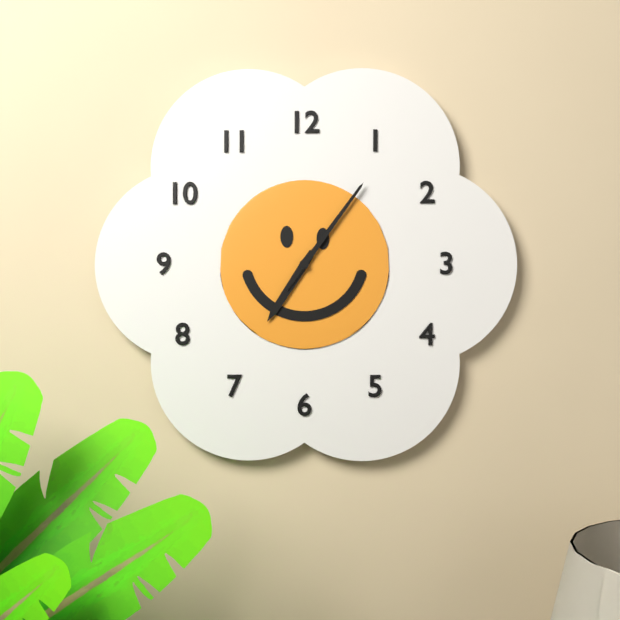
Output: {"hour": 7, "minute": 6}
